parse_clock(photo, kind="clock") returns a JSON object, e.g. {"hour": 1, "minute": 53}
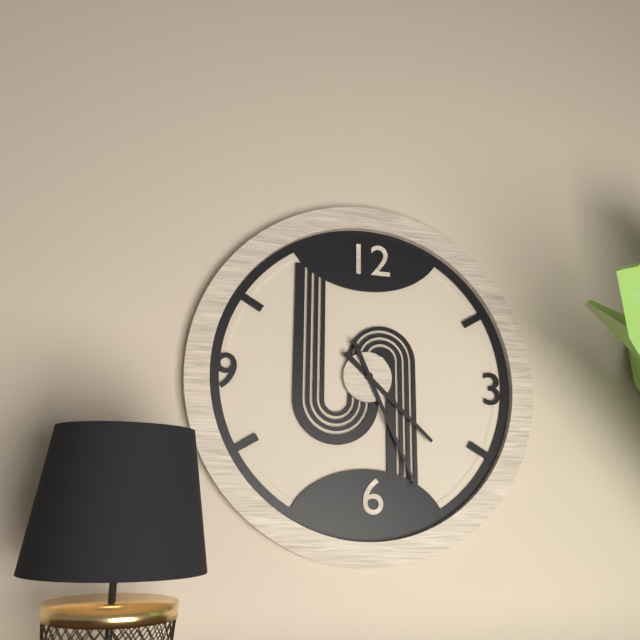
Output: {"hour": 4, "minute": 26}
